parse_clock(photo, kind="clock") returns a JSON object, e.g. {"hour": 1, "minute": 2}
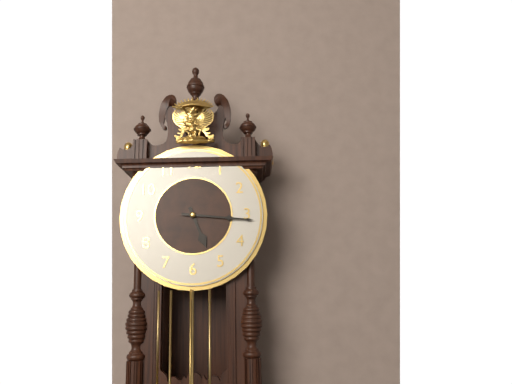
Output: {"hour": 5, "minute": 16}
